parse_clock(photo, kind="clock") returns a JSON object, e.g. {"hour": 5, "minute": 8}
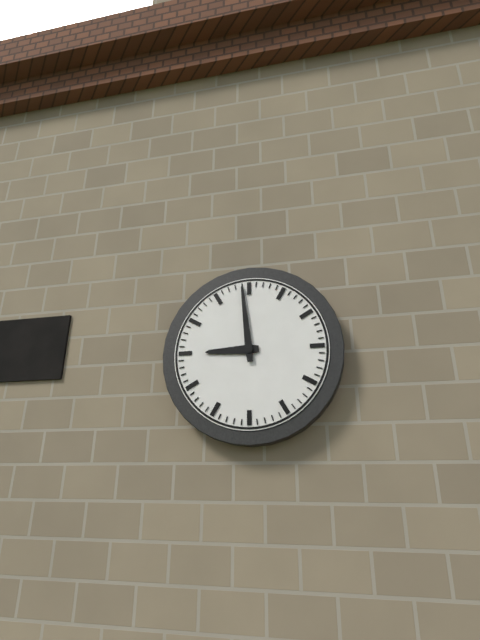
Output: {"hour": 8, "minute": 59}
